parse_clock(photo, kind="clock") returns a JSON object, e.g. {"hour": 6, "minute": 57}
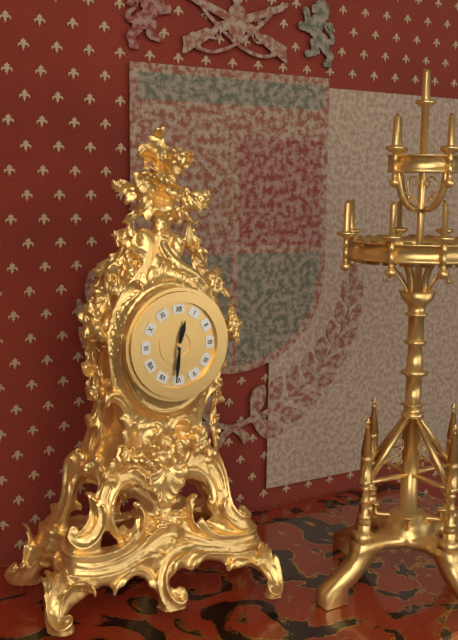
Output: {"hour": 12, "minute": 31}
